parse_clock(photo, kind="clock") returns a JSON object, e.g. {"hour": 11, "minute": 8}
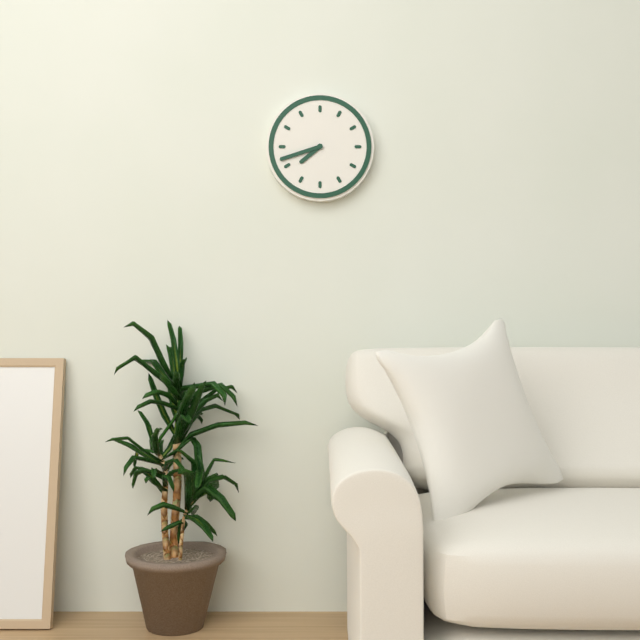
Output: {"hour": 7, "minute": 42}
